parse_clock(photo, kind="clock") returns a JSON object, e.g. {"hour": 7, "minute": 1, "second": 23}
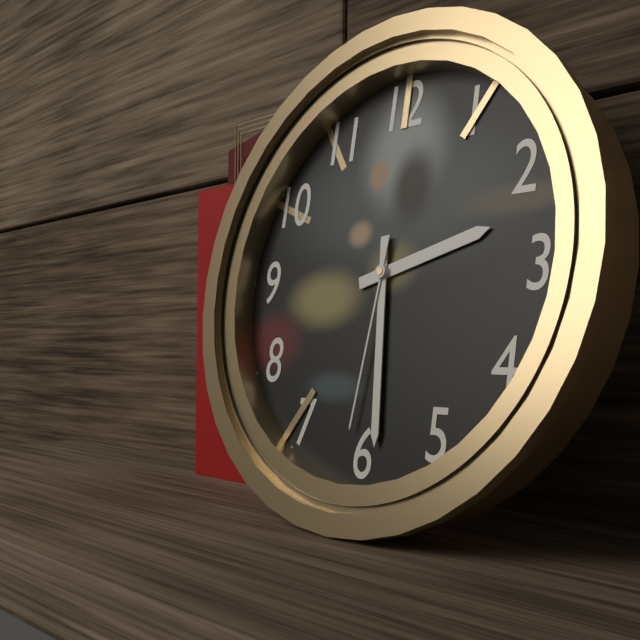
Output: {"hour": 2, "minute": 29, "second": 31}
